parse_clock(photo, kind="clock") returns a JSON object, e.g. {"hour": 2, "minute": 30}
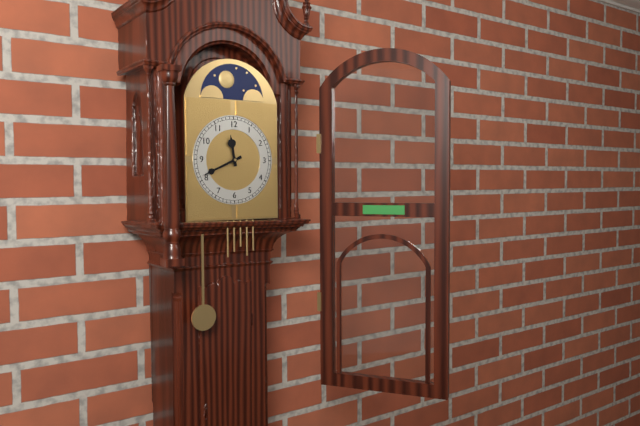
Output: {"hour": 11, "minute": 41}
